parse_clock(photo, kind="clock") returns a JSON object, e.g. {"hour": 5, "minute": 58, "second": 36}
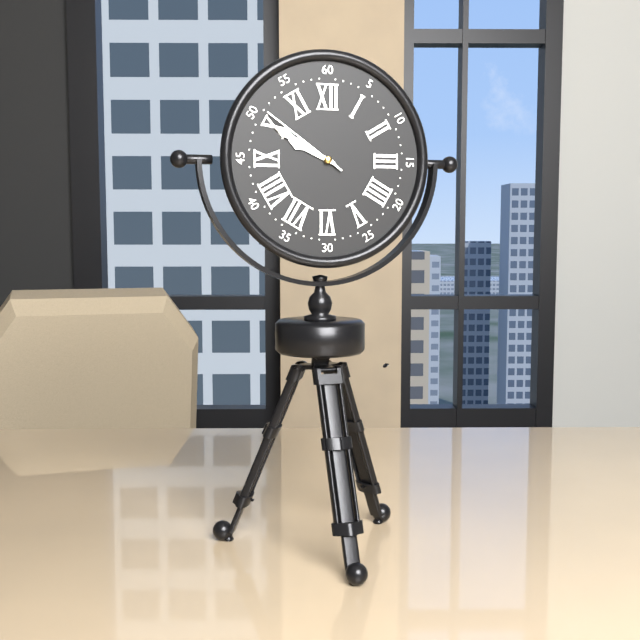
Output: {"hour": 9, "minute": 50, "second": 51}
